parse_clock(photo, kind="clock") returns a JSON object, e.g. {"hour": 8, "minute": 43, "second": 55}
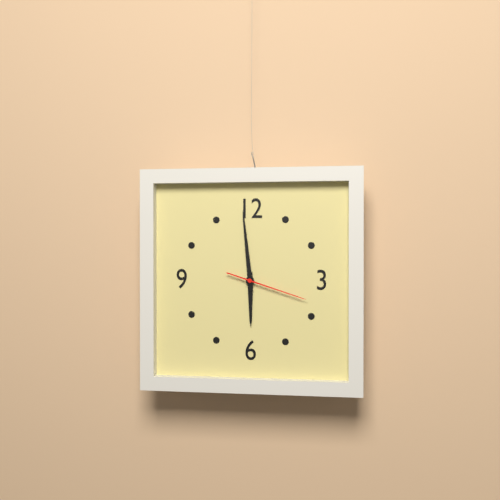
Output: {"hour": 5, "minute": 59, "second": 18}
